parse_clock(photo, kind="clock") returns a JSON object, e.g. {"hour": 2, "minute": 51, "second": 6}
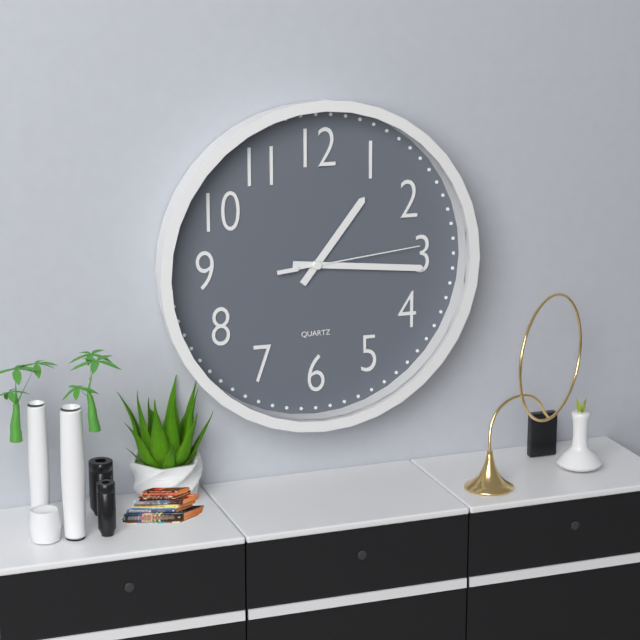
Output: {"hour": 1, "minute": 16, "second": 14}
